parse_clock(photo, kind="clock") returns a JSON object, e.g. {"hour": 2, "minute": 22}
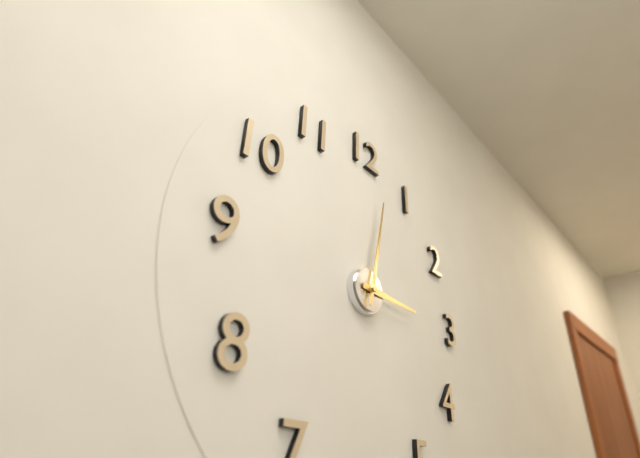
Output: {"hour": 3, "minute": 2}
